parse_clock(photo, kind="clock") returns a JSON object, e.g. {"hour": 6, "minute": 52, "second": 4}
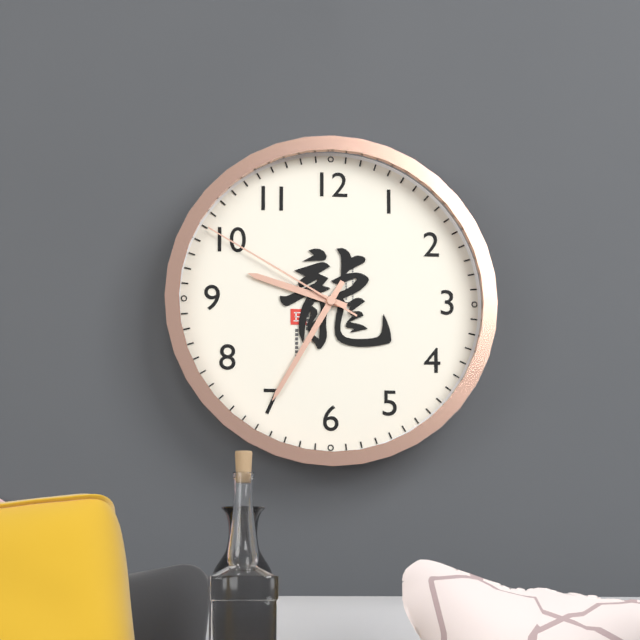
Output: {"hour": 9, "minute": 35, "second": 50}
